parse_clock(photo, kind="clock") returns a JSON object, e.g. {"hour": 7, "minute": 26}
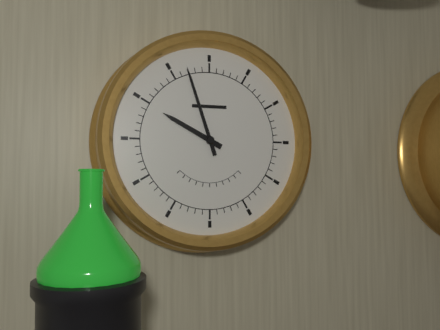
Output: {"hour": 9, "minute": 57}
